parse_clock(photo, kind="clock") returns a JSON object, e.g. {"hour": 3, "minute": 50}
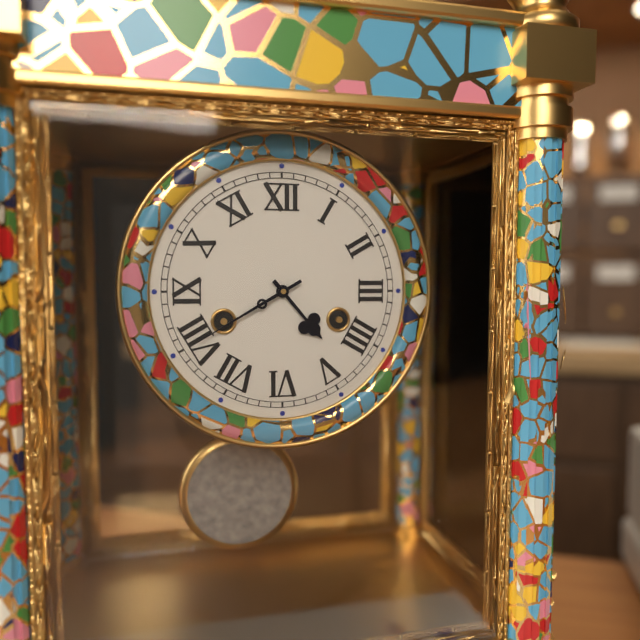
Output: {"hour": 4, "minute": 40}
